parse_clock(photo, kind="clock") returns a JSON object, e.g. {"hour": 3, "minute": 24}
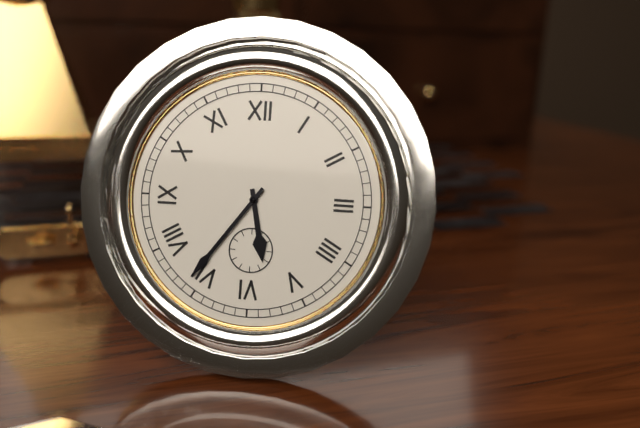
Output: {"hour": 5, "minute": 36}
